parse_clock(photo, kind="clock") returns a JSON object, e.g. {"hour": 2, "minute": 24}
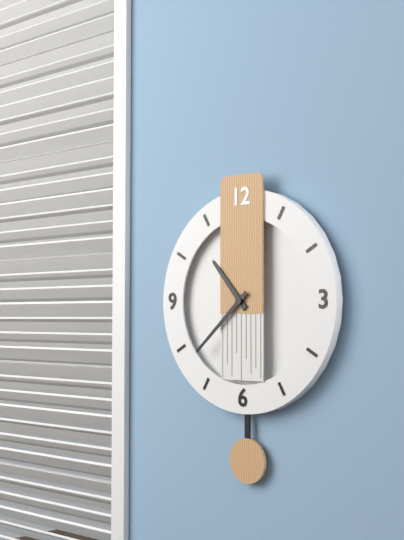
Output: {"hour": 10, "minute": 38}
